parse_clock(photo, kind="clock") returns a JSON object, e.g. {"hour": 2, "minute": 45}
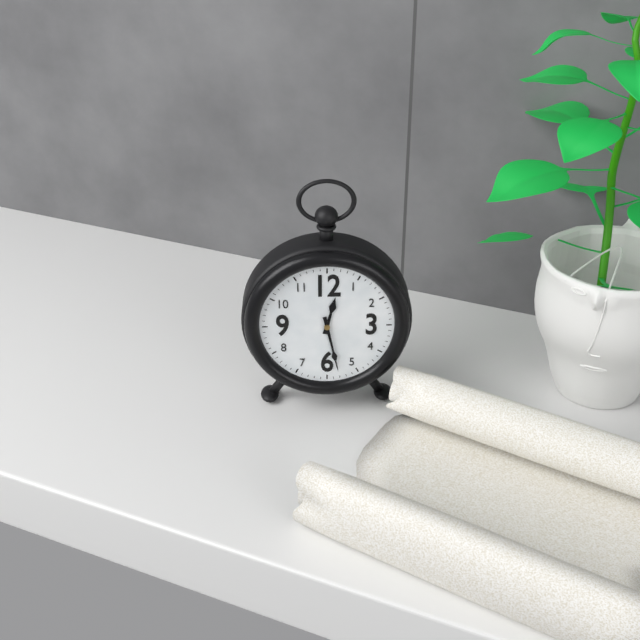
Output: {"hour": 12, "minute": 28}
